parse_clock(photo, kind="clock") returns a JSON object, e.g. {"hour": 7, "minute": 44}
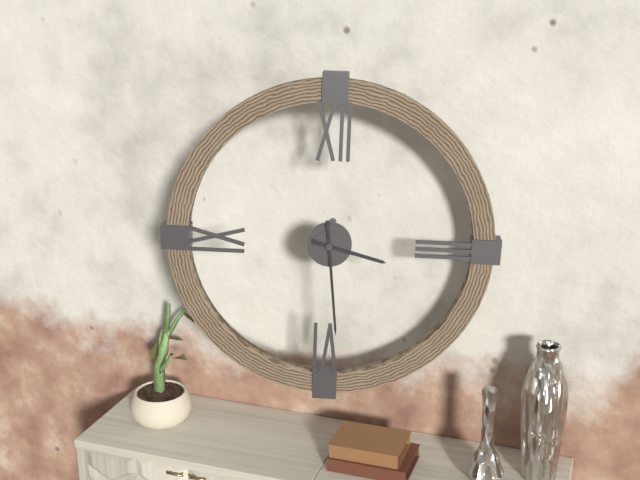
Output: {"hour": 3, "minute": 29}
